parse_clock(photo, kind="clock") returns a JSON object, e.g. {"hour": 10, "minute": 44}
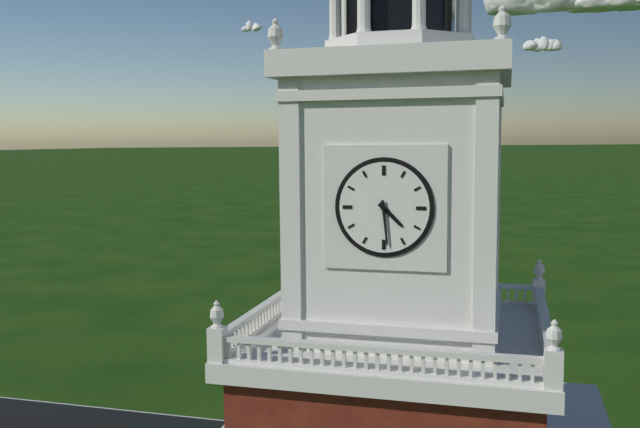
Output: {"hour": 4, "minute": 29}
